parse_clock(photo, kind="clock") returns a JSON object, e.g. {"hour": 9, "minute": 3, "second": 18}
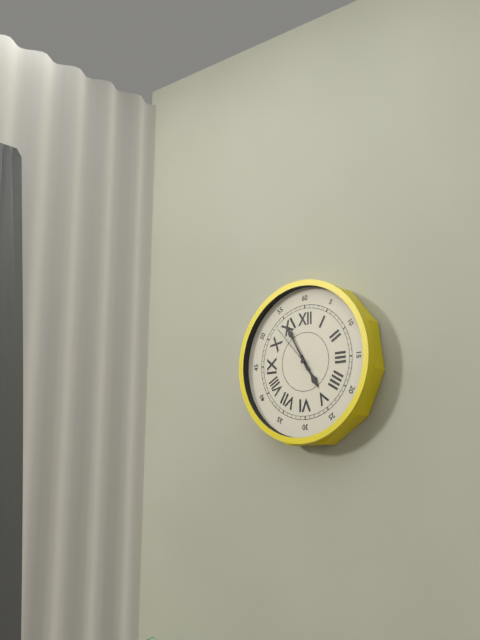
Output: {"hour": 4, "minute": 55, "second": 53}
